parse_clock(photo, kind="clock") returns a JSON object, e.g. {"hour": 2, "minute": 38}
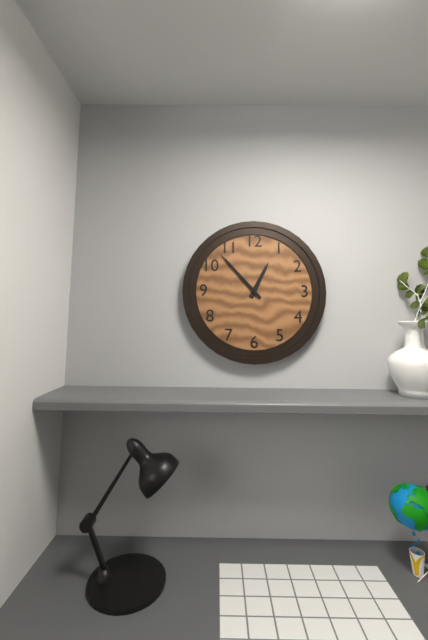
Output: {"hour": 12, "minute": 53}
